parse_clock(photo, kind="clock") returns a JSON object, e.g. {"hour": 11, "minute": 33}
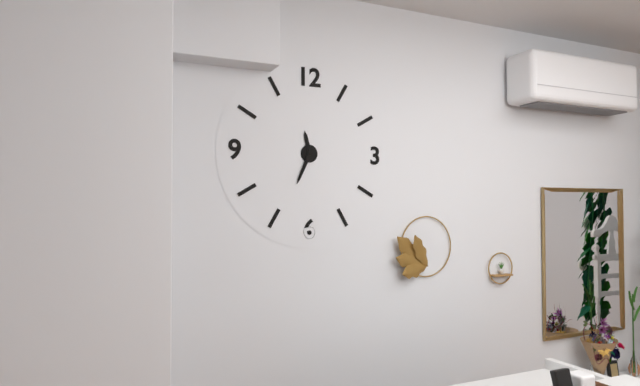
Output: {"hour": 11, "minute": 34}
